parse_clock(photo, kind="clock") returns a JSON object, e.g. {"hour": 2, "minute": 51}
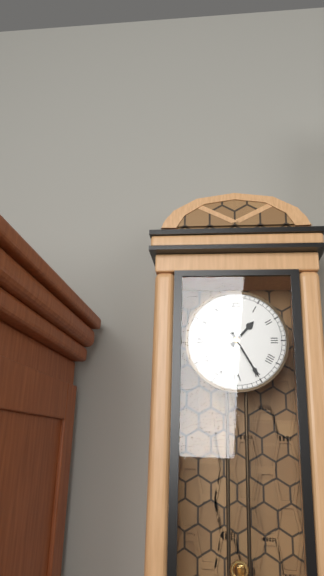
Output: {"hour": 1, "minute": 25}
